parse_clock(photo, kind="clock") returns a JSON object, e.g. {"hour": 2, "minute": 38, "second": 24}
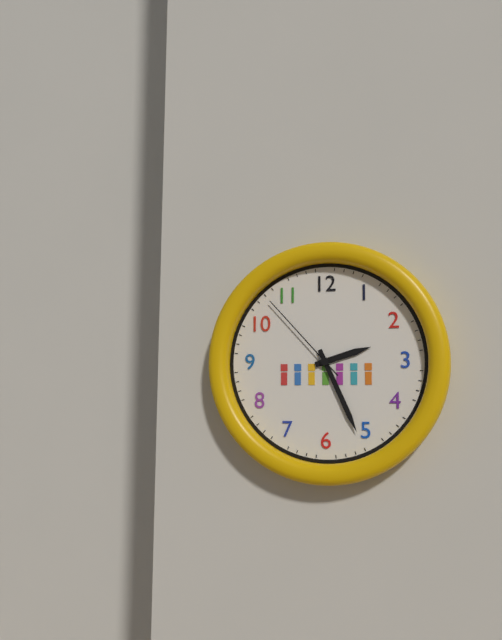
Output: {"hour": 2, "minute": 26, "second": 53}
